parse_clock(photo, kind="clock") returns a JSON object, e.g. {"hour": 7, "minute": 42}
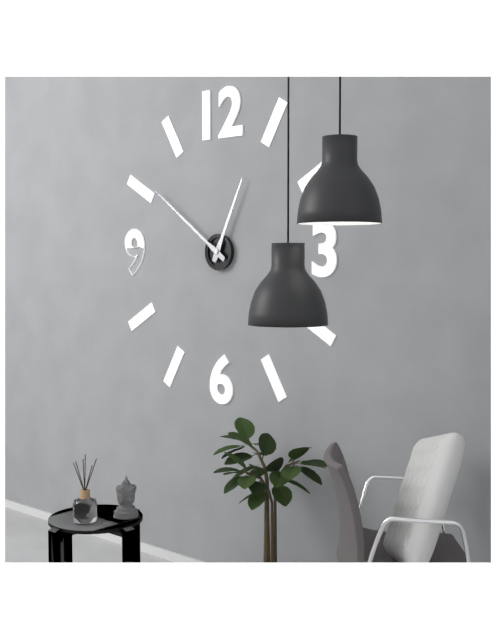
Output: {"hour": 12, "minute": 51}
